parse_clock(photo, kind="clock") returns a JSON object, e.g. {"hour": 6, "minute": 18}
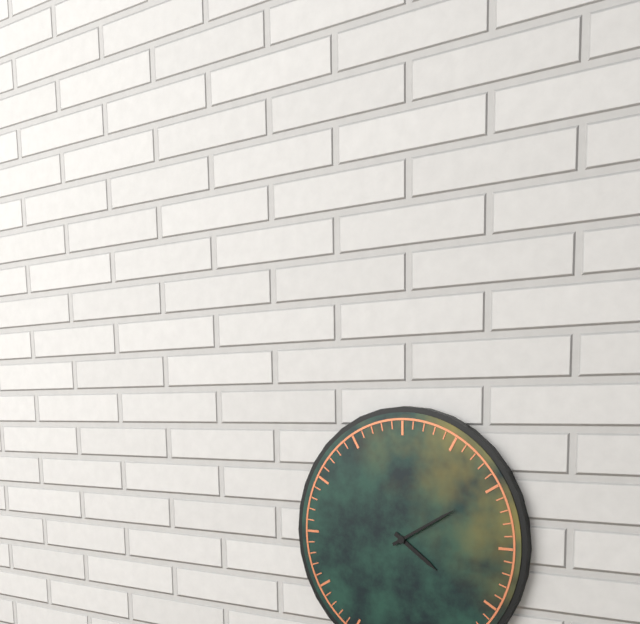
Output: {"hour": 4, "minute": 10}
